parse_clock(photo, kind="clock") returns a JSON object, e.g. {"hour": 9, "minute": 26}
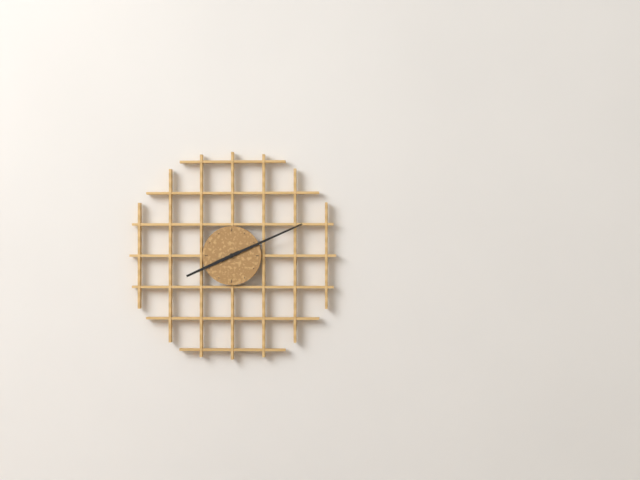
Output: {"hour": 8, "minute": 11}
